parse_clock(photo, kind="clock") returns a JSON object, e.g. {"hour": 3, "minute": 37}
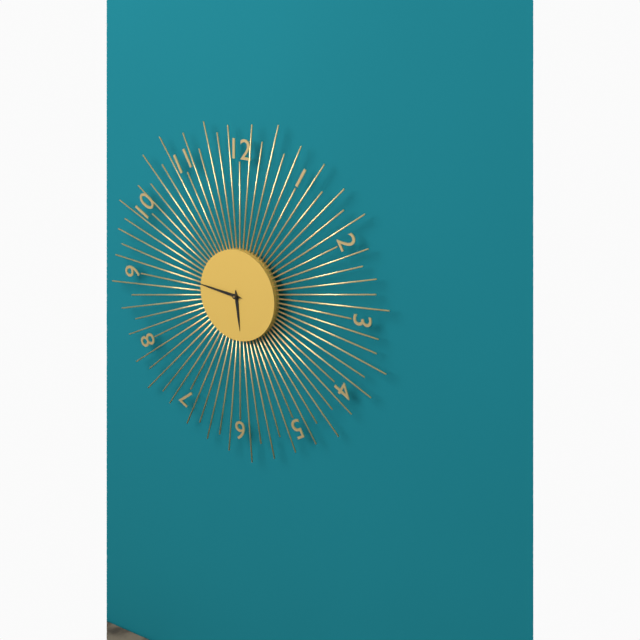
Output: {"hour": 5, "minute": 46}
